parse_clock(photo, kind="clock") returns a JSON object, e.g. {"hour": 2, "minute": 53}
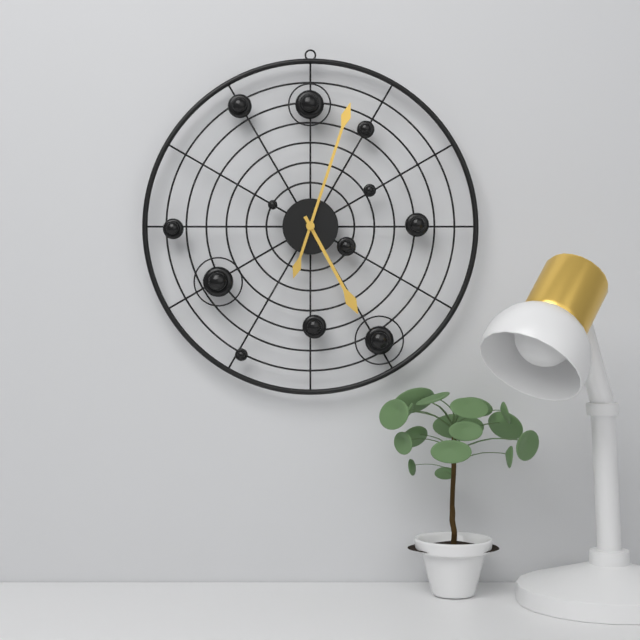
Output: {"hour": 5, "minute": 3}
